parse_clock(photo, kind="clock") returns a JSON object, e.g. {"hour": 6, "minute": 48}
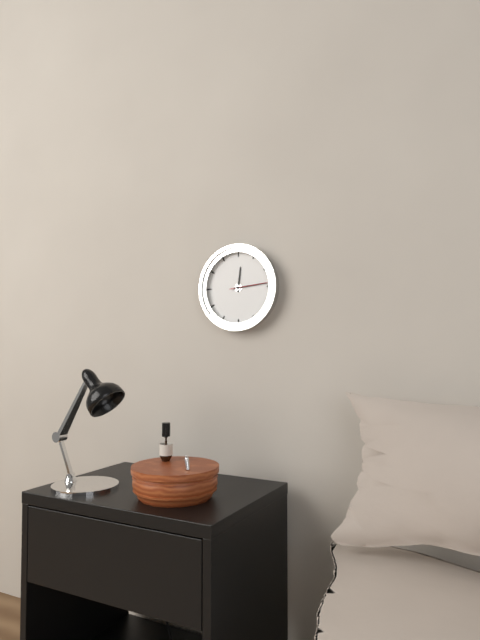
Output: {"hour": 12, "minute": 14}
